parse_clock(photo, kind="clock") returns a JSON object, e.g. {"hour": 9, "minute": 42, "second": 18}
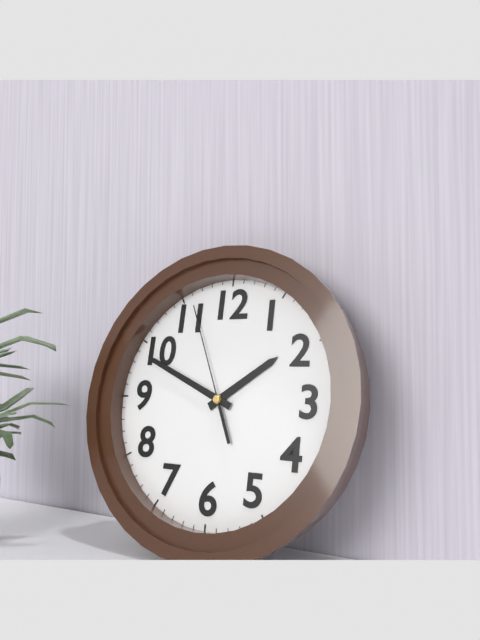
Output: {"hour": 1, "minute": 49, "second": 56}
